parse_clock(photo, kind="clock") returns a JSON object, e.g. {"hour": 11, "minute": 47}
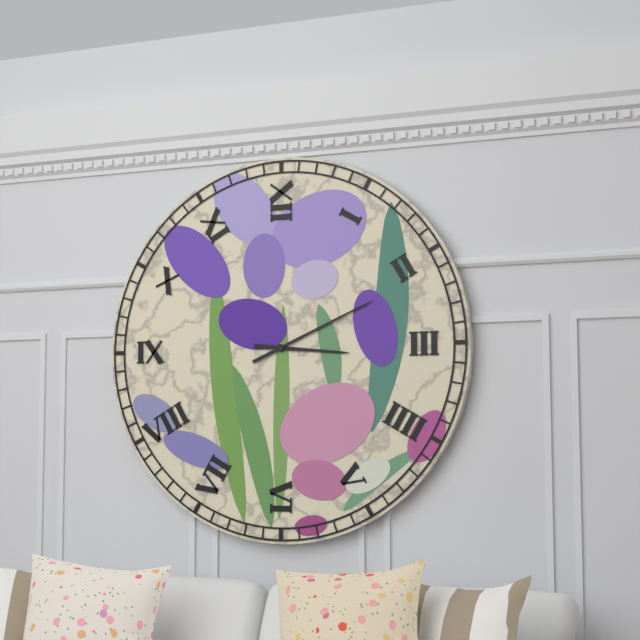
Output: {"hour": 3, "minute": 11}
